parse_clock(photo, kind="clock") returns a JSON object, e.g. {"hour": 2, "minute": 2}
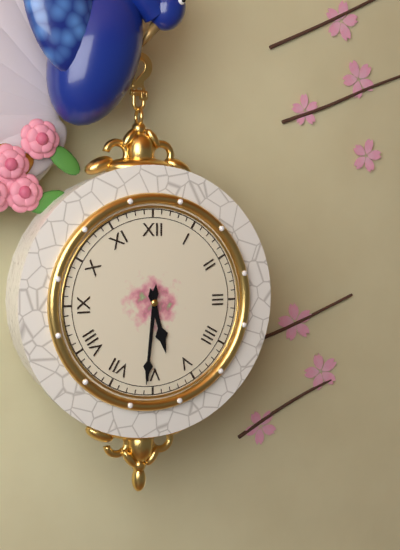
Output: {"hour": 5, "minute": 31}
